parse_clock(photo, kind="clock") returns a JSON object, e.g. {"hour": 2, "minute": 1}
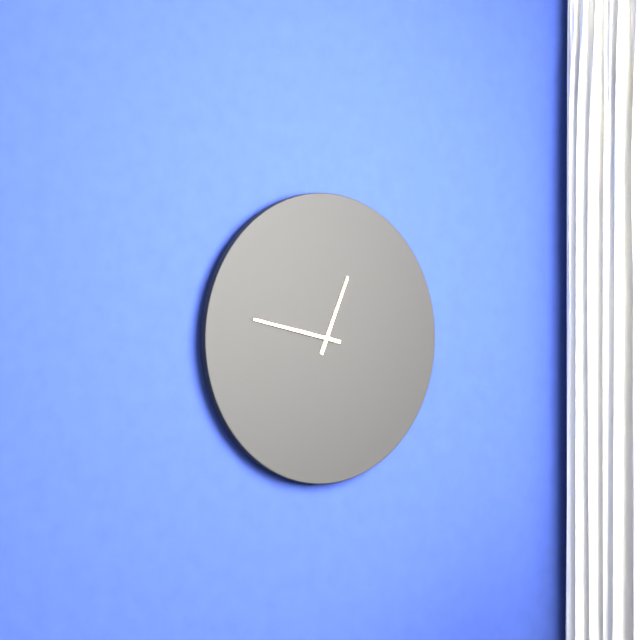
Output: {"hour": 12, "minute": 47}
